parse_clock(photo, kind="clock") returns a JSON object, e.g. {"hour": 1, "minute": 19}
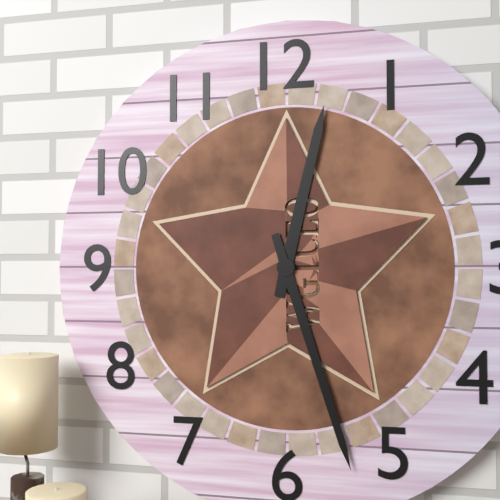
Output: {"hour": 12, "minute": 27}
